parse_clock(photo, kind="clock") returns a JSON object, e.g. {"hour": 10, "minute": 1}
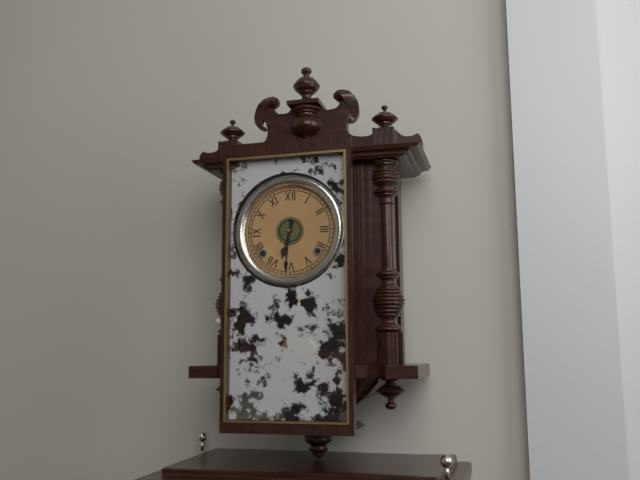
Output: {"hour": 6, "minute": 31}
